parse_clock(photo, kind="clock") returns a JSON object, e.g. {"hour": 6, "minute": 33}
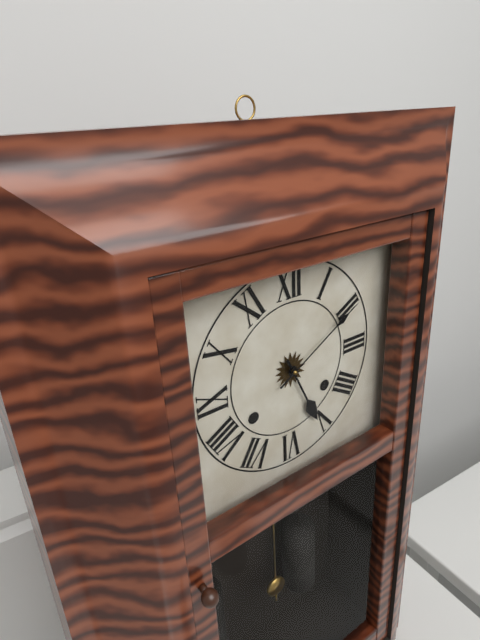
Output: {"hour": 5, "minute": 10}
